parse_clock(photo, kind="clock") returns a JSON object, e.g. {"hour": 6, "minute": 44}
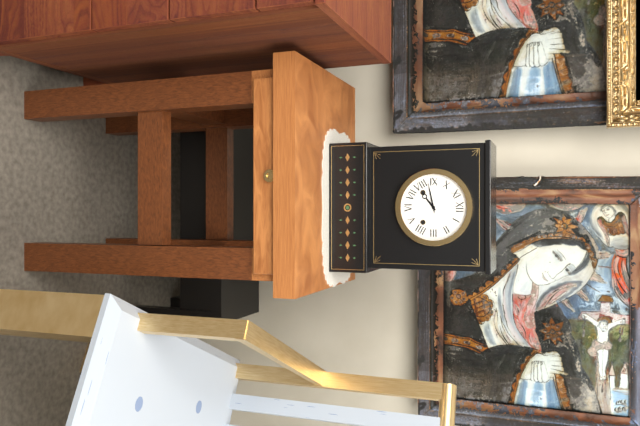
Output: {"hour": 7, "minute": 43}
